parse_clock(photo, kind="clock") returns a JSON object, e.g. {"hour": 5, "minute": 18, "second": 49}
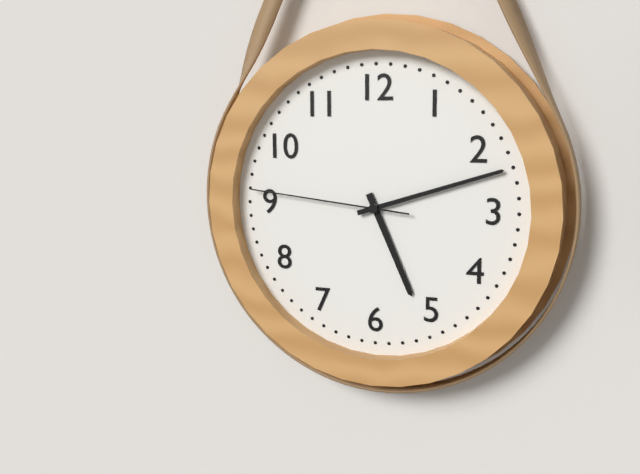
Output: {"hour": 5, "minute": 12, "second": 46}
